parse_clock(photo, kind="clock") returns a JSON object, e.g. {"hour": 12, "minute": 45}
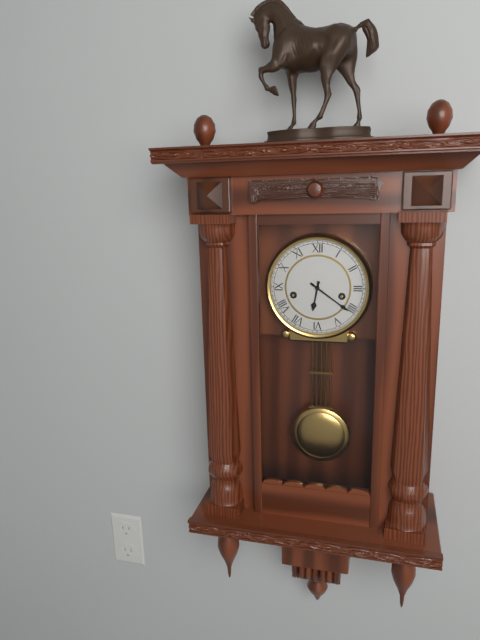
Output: {"hour": 6, "minute": 21}
